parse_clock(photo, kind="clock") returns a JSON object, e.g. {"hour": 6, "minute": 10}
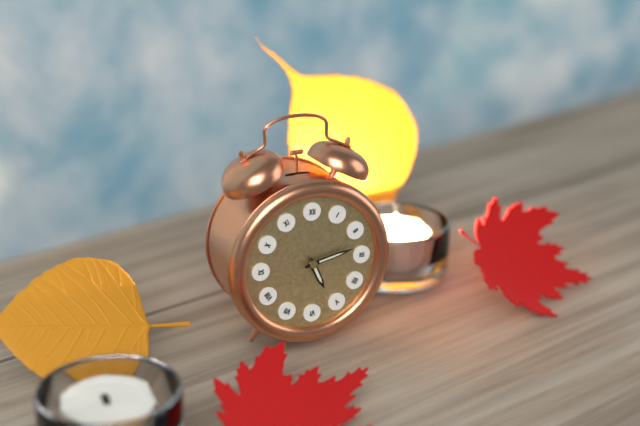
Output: {"hour": 5, "minute": 13}
